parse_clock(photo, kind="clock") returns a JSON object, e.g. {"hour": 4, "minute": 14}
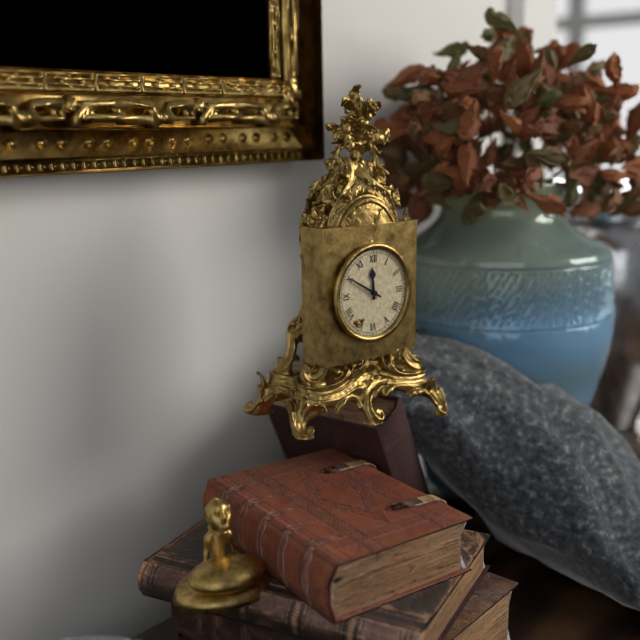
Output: {"hour": 11, "minute": 50}
